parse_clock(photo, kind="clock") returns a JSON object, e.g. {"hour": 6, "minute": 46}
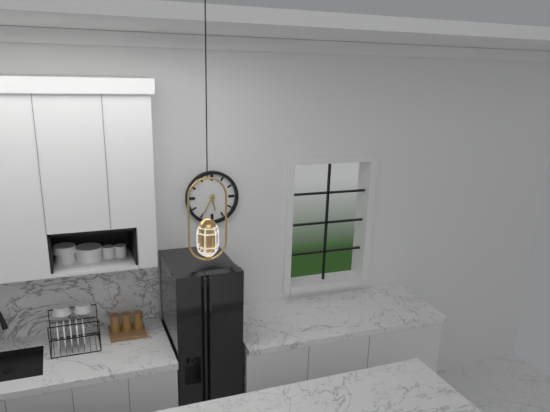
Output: {"hour": 5, "minute": 35}
